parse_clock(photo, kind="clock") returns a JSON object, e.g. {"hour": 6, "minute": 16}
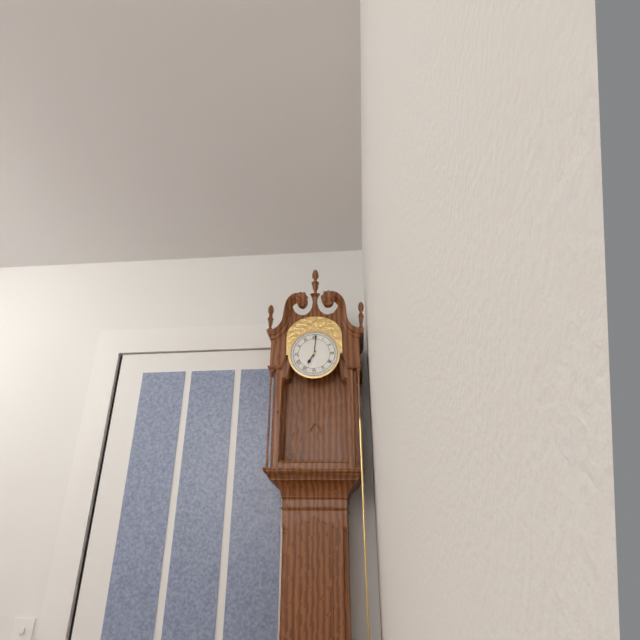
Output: {"hour": 7, "minute": 1}
